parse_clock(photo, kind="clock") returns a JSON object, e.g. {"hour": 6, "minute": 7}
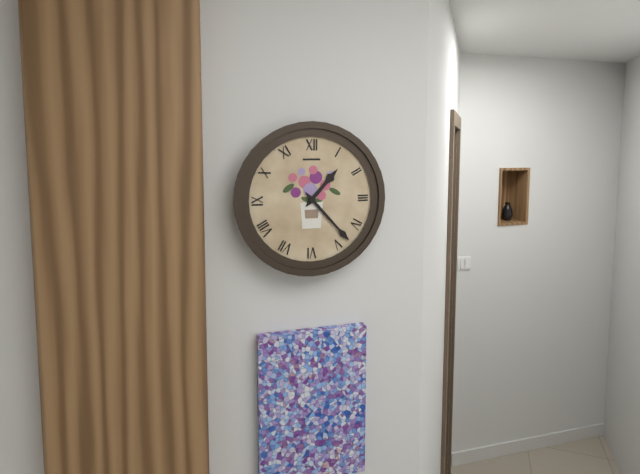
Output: {"hour": 1, "minute": 23}
